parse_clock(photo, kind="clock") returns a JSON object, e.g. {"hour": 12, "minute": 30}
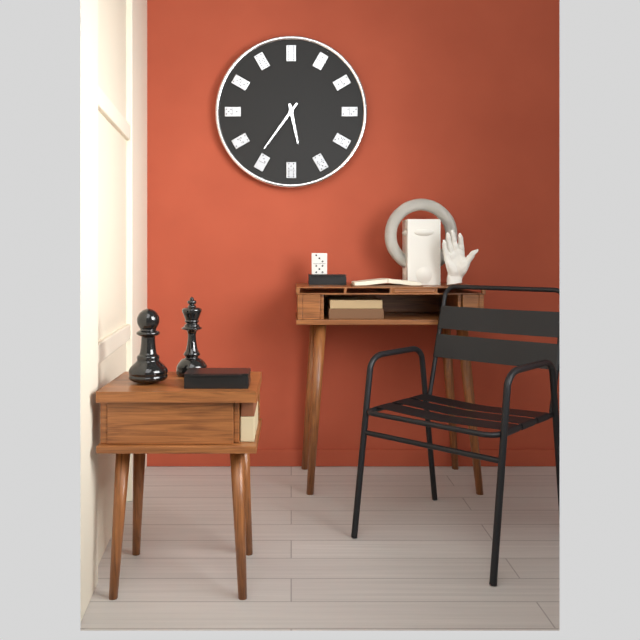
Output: {"hour": 5, "minute": 36}
